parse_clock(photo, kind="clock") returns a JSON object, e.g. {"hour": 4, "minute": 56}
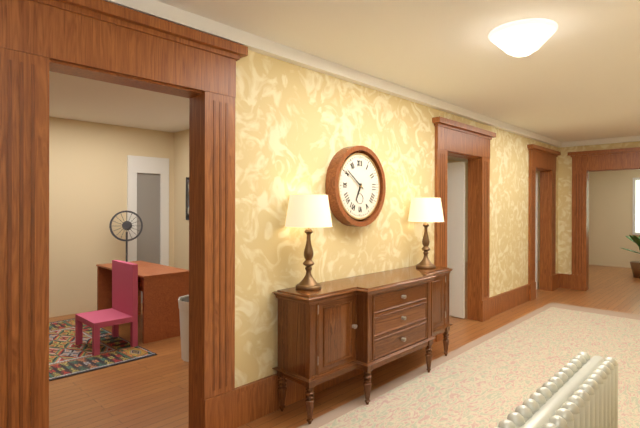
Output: {"hour": 6, "minute": 51}
